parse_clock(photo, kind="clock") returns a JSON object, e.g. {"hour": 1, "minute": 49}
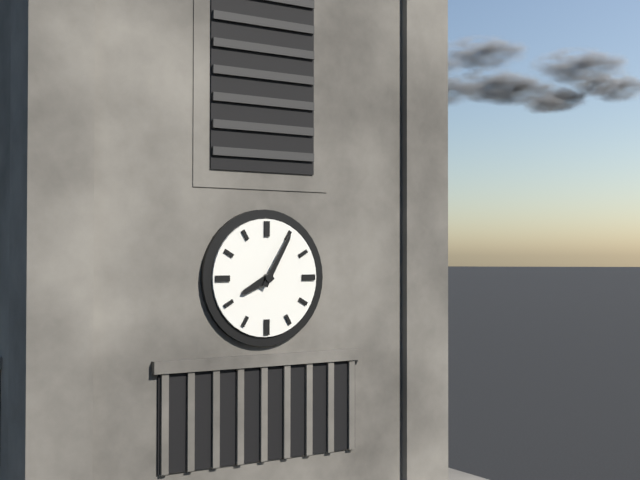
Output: {"hour": 8, "minute": 5}
